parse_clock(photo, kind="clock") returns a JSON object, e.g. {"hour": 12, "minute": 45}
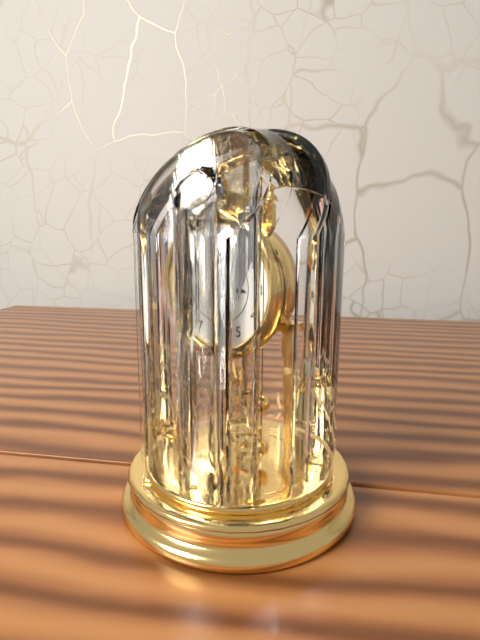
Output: {"hour": 3, "minute": 8}
